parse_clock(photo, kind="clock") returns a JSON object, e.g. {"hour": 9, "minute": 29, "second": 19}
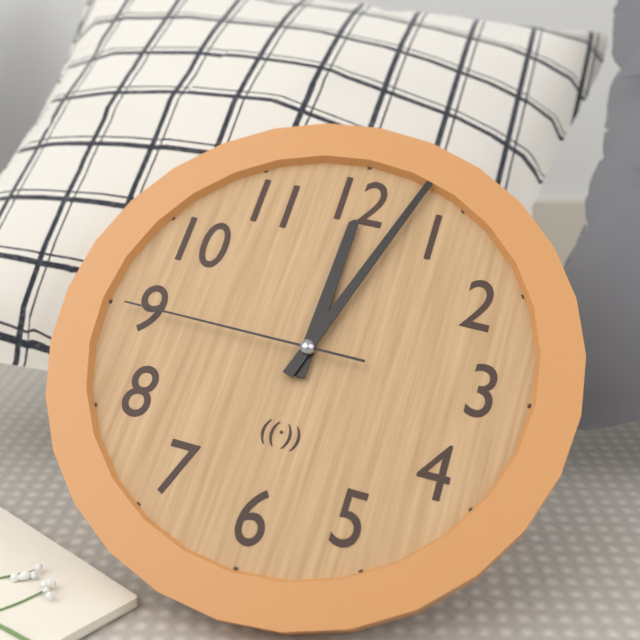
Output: {"hour": 12, "minute": 3, "second": 45}
